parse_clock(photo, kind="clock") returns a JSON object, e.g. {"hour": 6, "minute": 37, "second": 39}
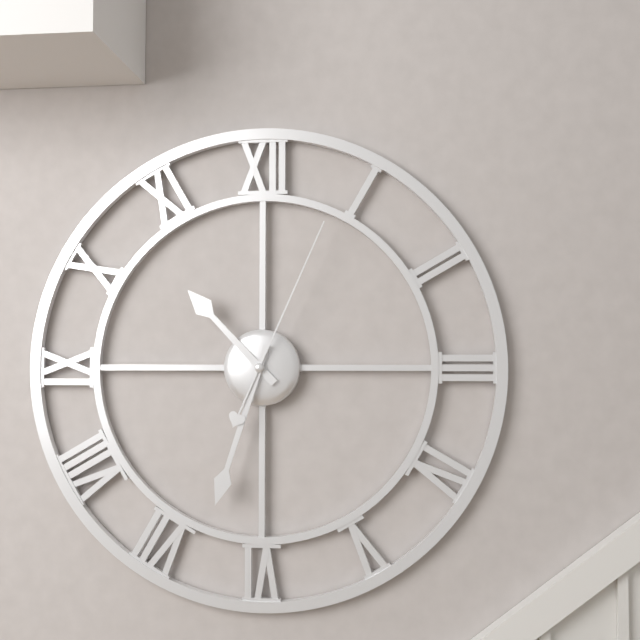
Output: {"hour": 10, "minute": 33, "second": 4}
